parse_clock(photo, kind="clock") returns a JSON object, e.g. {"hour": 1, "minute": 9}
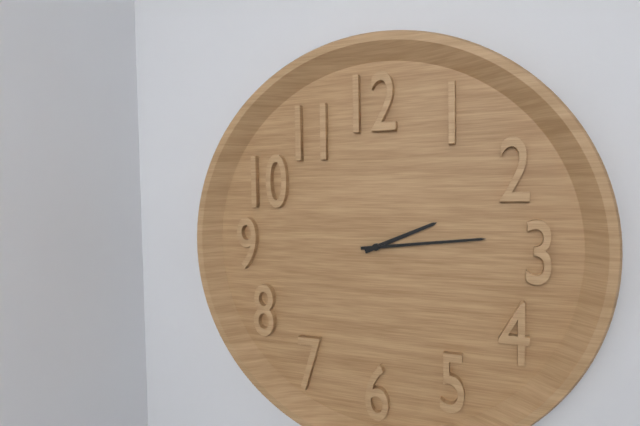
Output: {"hour": 2, "minute": 14}
